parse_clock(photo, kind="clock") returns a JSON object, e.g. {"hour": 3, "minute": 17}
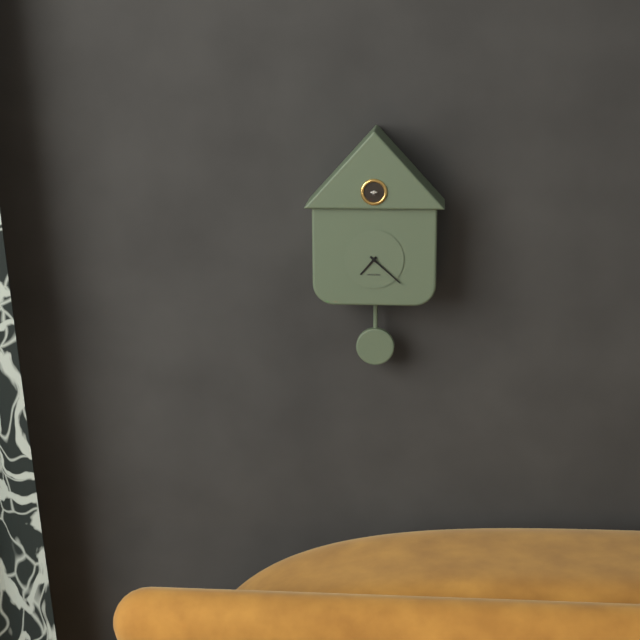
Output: {"hour": 7, "minute": 22}
